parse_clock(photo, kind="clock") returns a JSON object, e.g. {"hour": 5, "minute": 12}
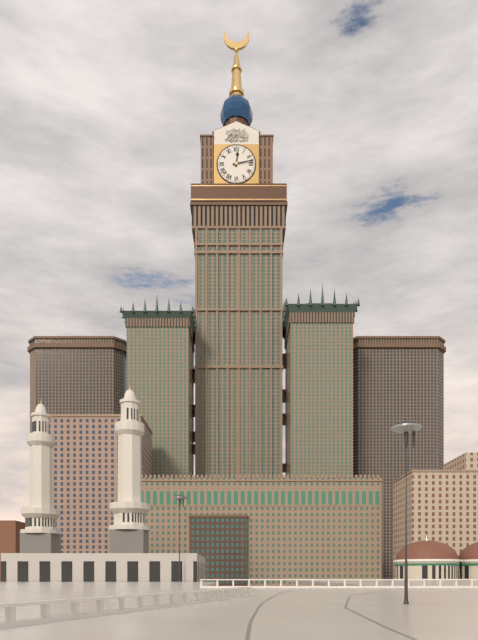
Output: {"hour": 12, "minute": 13}
